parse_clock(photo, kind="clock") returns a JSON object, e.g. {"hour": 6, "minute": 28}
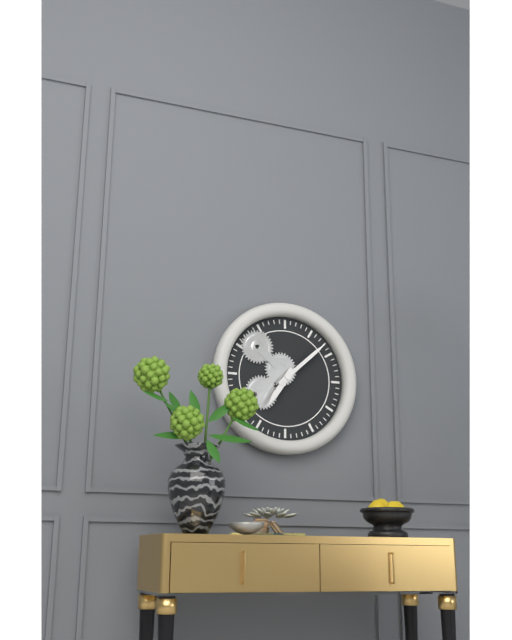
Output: {"hour": 7, "minute": 8}
